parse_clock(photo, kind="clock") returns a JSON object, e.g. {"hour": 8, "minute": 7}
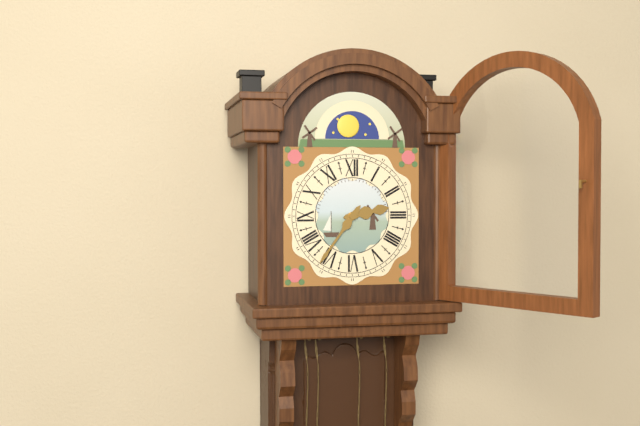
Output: {"hour": 2, "minute": 36}
